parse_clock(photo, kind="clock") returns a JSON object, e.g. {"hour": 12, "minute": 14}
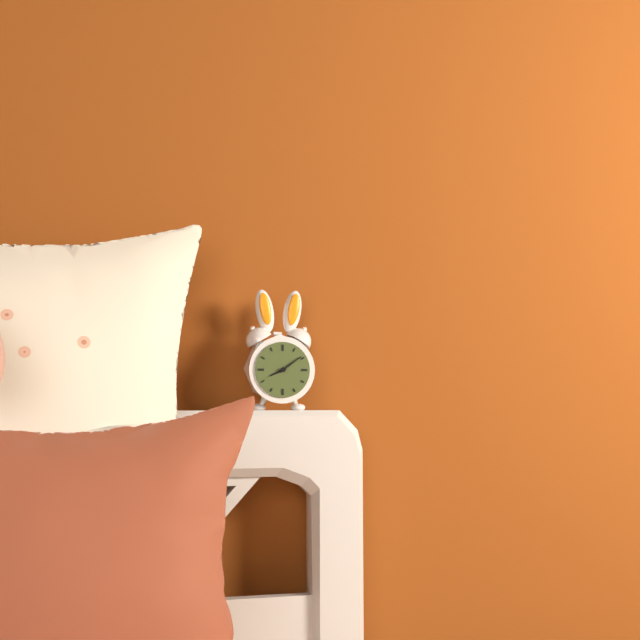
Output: {"hour": 8, "minute": 9}
